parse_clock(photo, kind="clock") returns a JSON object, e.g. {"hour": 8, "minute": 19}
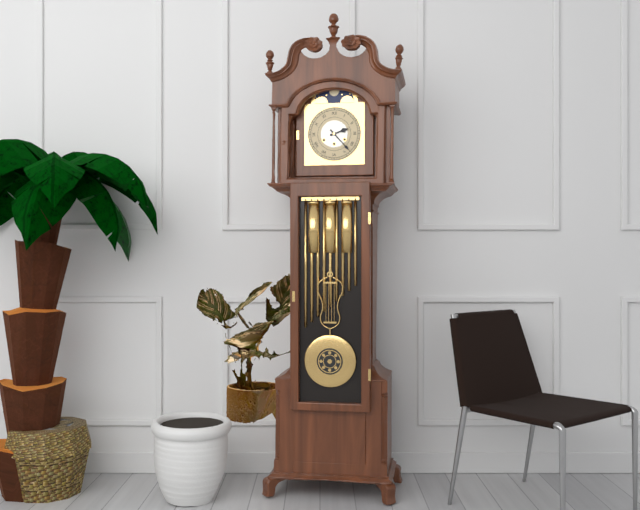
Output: {"hour": 2, "minute": 23}
